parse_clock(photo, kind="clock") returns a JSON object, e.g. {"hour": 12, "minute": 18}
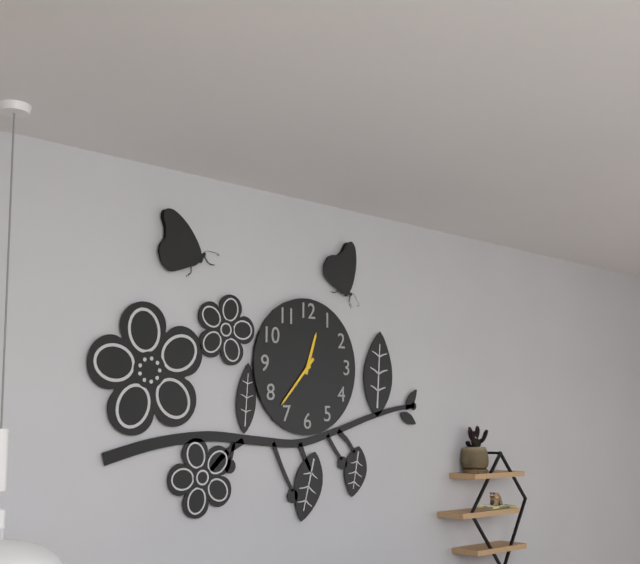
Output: {"hour": 12, "minute": 37}
